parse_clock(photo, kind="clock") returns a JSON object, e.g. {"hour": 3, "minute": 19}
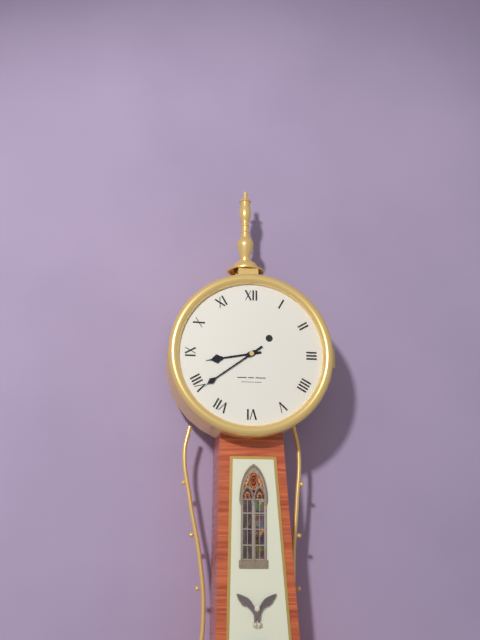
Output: {"hour": 8, "minute": 39}
